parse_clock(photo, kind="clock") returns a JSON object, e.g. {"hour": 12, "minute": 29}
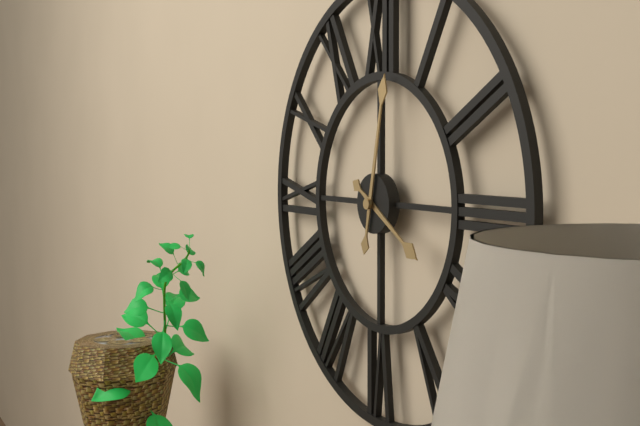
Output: {"hour": 4, "minute": 2}
